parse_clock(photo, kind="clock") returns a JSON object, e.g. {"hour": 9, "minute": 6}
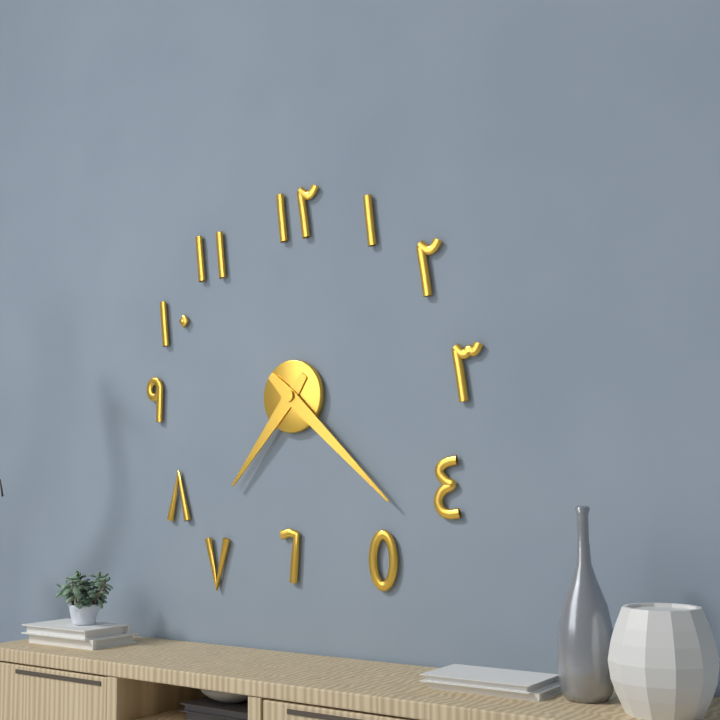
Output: {"hour": 7, "minute": 22}
